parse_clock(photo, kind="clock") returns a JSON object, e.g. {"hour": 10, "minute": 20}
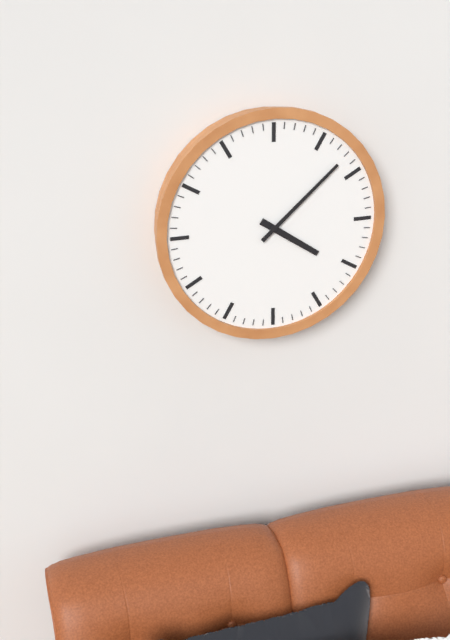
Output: {"hour": 4, "minute": 8}
